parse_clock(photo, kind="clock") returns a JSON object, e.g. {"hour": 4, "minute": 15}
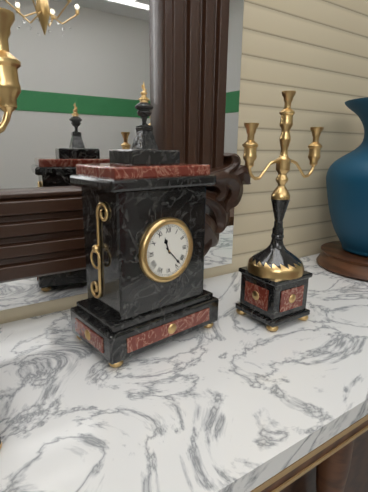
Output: {"hour": 11, "minute": 23}
